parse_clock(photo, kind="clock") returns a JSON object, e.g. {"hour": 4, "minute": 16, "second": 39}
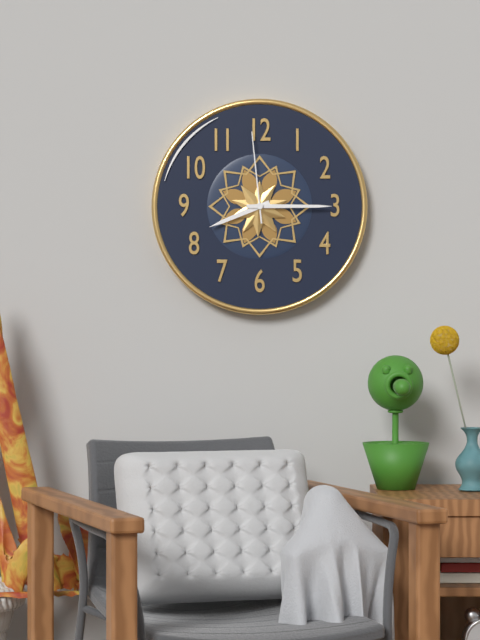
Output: {"hour": 8, "minute": 15, "second": 59}
